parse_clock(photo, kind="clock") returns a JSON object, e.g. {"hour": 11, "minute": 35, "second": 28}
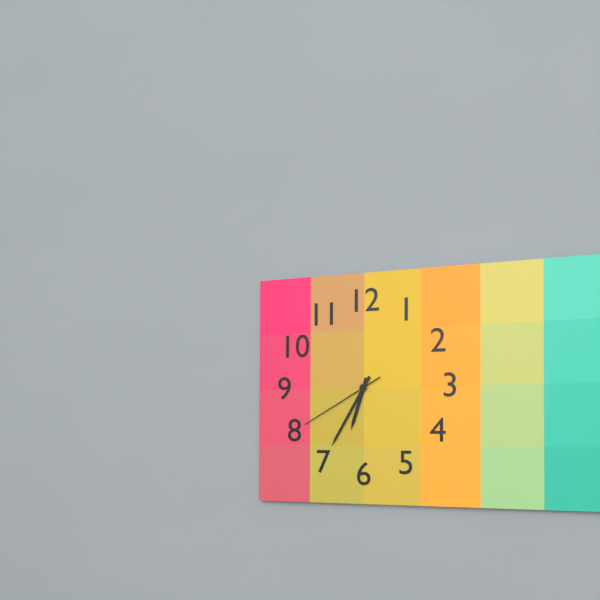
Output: {"hour": 6, "minute": 35, "second": 40}
